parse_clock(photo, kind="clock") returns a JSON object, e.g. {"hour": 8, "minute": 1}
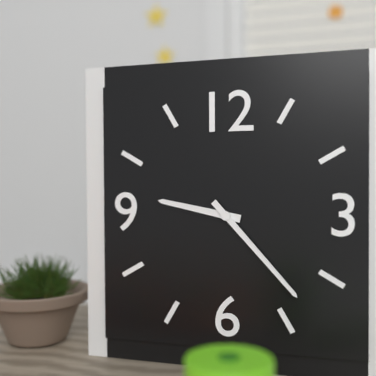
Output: {"hour": 9, "minute": 23}
